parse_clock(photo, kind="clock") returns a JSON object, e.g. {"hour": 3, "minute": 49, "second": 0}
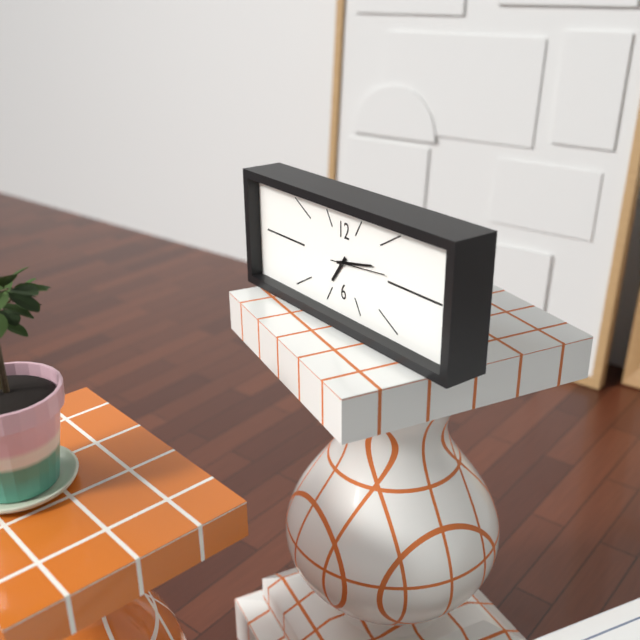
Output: {"hour": 7, "minute": 13, "second": 14}
